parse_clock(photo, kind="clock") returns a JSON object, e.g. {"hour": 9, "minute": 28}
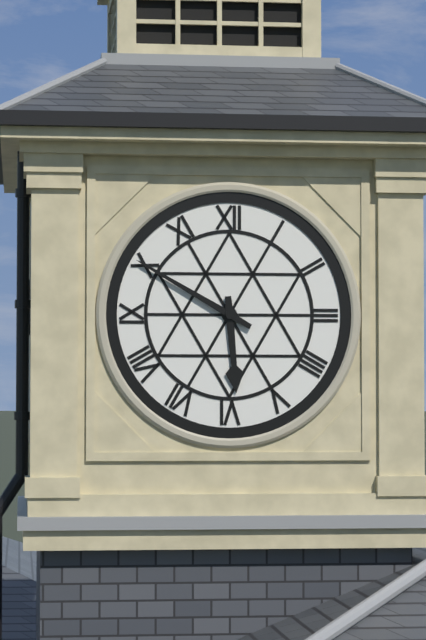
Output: {"hour": 5, "minute": 50}
